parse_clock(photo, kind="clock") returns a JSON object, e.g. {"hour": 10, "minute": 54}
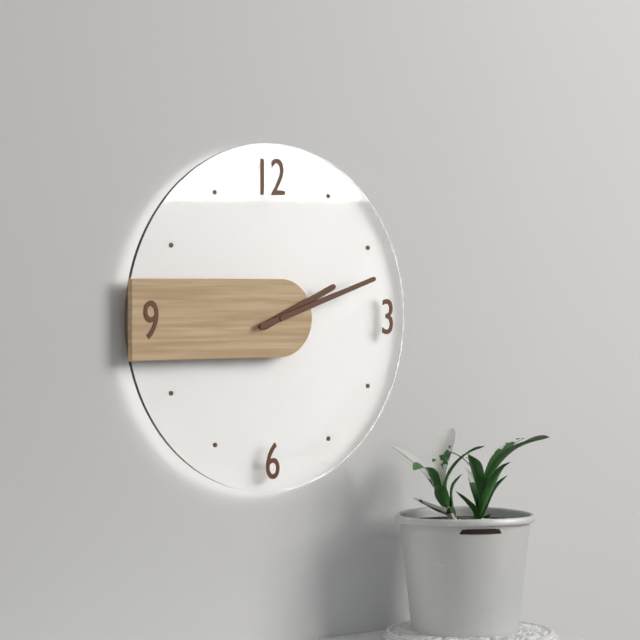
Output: {"hour": 2, "minute": 12}
